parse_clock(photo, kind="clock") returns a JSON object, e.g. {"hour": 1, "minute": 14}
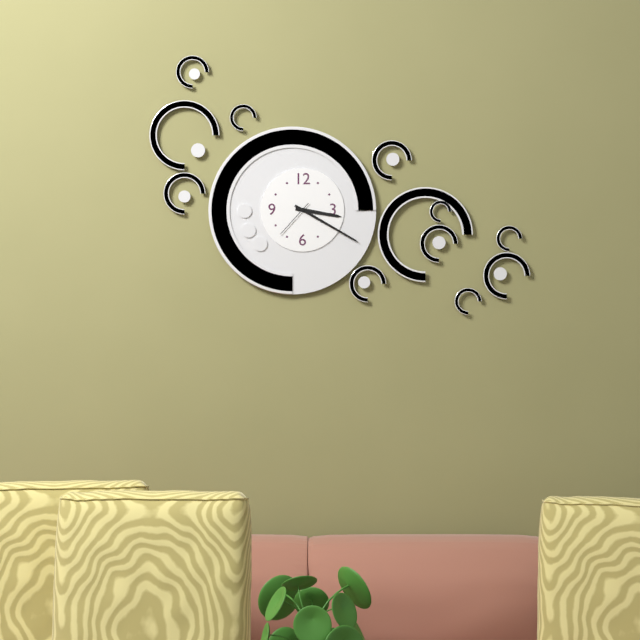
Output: {"hour": 3, "minute": 20}
